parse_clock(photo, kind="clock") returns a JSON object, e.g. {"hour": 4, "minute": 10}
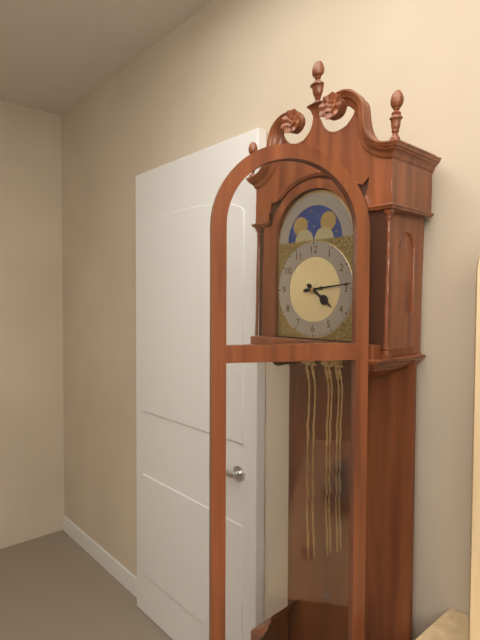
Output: {"hour": 4, "minute": 14}
